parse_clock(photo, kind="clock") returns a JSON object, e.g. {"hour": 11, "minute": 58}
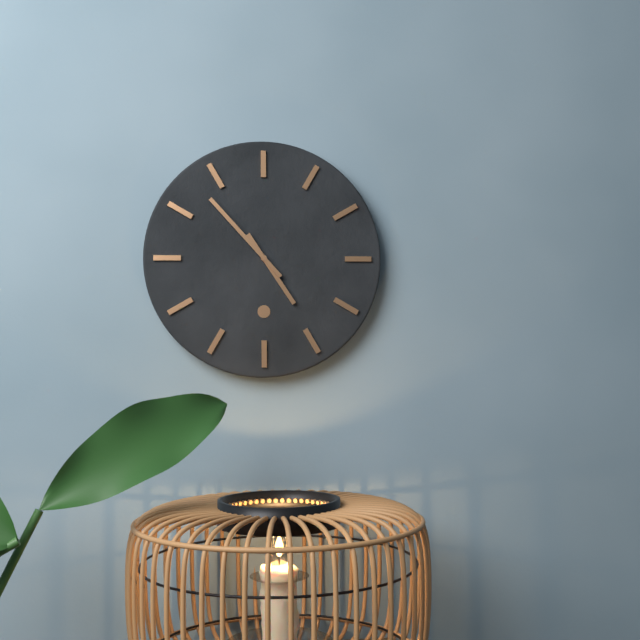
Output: {"hour": 4, "minute": 53}
